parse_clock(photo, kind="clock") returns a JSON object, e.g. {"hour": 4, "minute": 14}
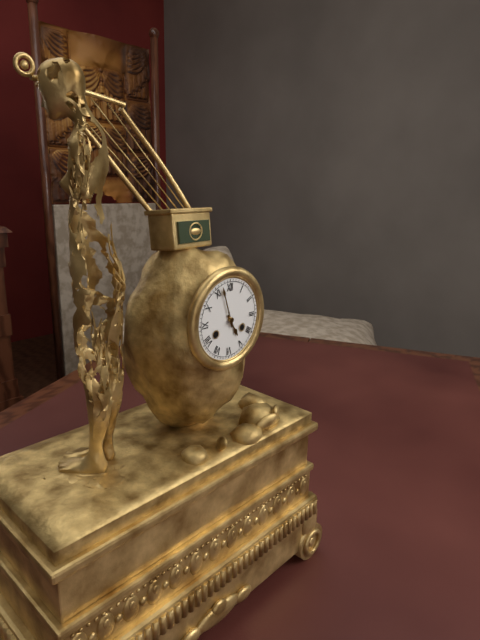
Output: {"hour": 4, "minute": 57}
